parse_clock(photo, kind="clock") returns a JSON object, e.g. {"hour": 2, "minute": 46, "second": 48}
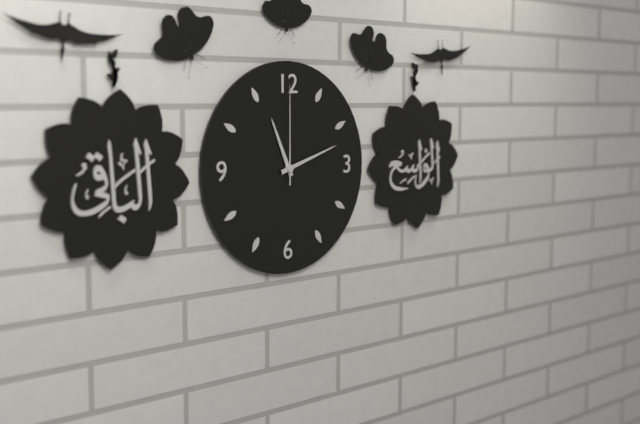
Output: {"hour": 11, "minute": 12, "second": 0}
